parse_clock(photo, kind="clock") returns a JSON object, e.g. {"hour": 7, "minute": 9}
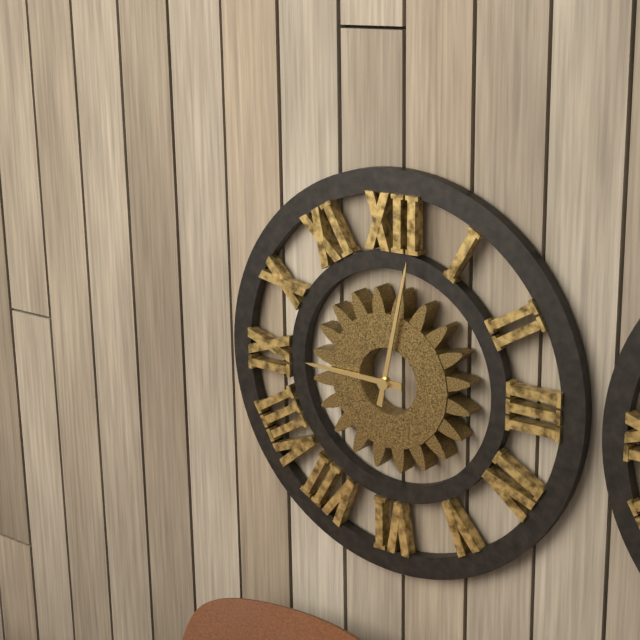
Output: {"hour": 9, "minute": 2}
